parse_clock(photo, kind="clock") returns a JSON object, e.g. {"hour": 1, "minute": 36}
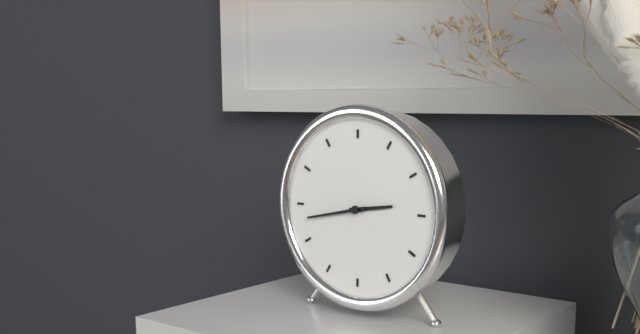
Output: {"hour": 2, "minute": 43}
